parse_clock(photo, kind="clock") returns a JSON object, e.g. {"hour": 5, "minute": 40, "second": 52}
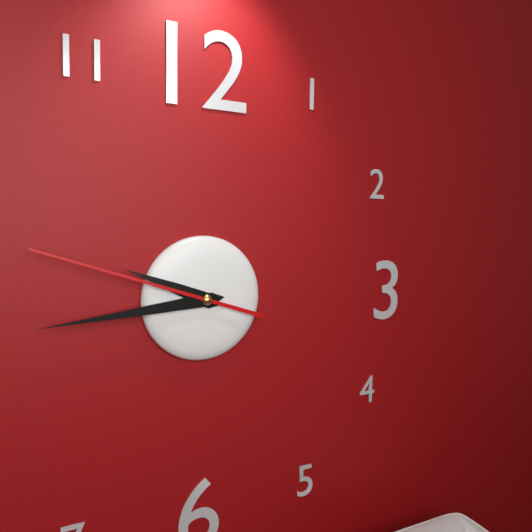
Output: {"hour": 9, "minute": 44, "second": 48}
